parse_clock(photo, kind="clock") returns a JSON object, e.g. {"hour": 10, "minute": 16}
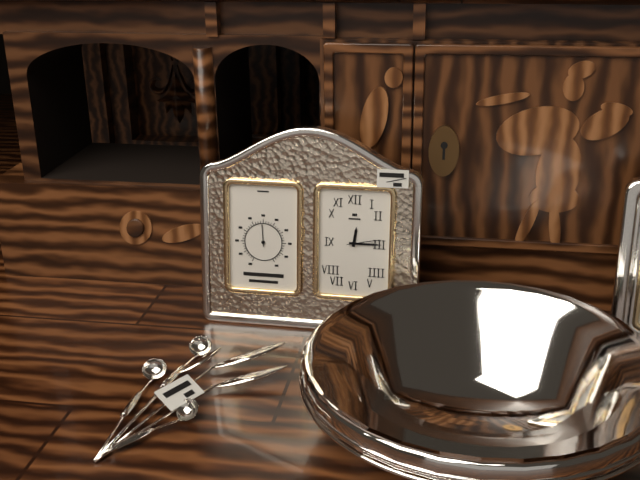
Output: {"hour": 12, "minute": 15}
